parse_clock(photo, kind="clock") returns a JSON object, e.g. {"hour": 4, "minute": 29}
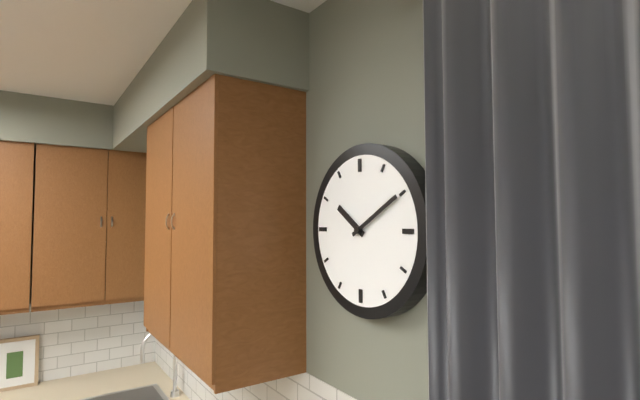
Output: {"hour": 10, "minute": 10}
